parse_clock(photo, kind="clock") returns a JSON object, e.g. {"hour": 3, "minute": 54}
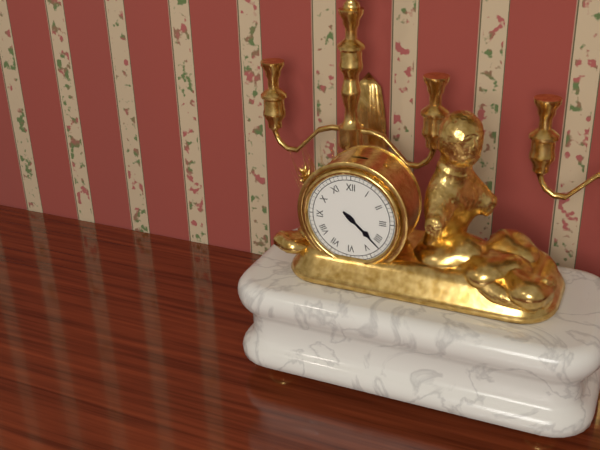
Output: {"hour": 4, "minute": 22}
